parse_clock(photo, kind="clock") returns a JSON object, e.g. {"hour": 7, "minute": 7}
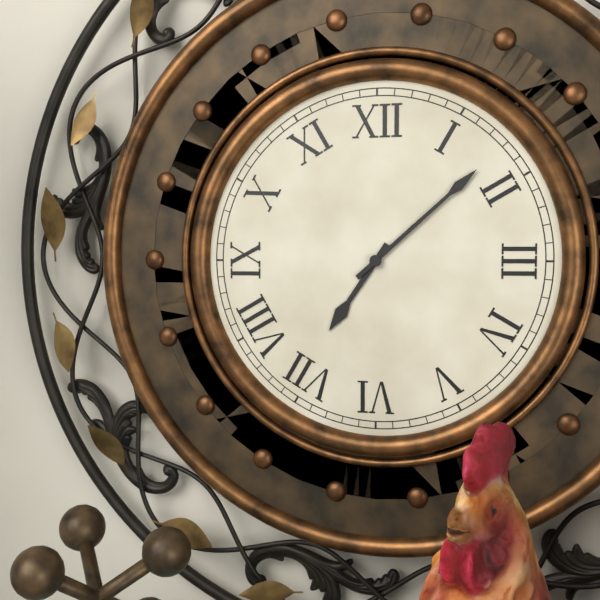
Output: {"hour": 7, "minute": 8}
